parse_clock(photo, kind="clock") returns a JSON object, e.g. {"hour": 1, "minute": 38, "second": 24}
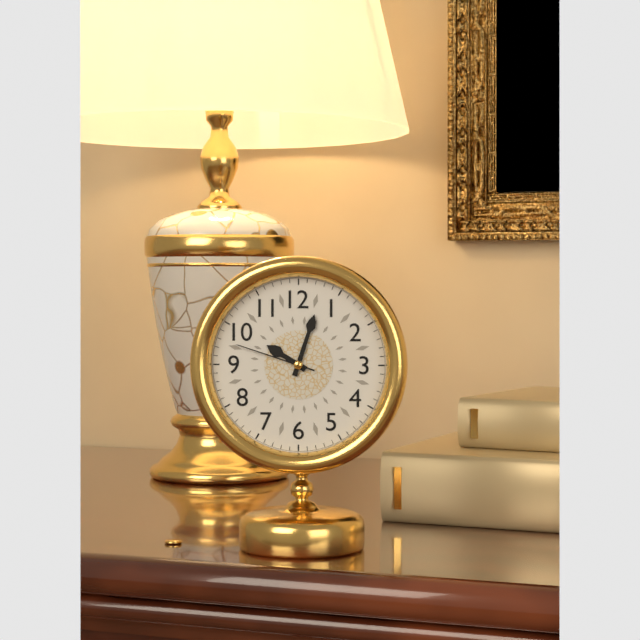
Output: {"hour": 10, "minute": 3, "second": 48}
